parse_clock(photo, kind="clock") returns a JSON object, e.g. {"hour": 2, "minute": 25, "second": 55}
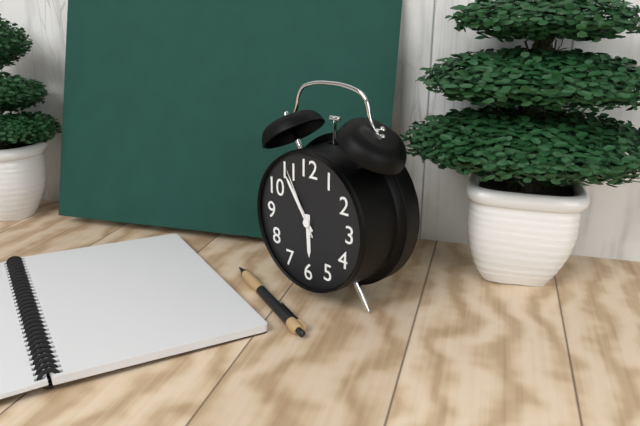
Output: {"hour": 5, "minute": 54, "second": 55}
